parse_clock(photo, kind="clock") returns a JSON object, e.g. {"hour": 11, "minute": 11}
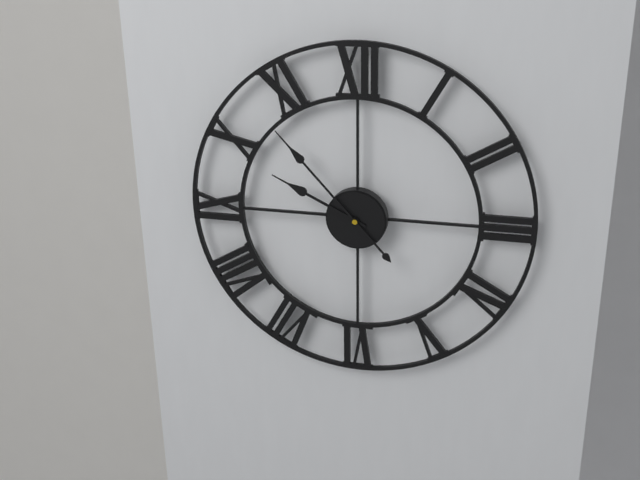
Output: {"hour": 9, "minute": 53}
